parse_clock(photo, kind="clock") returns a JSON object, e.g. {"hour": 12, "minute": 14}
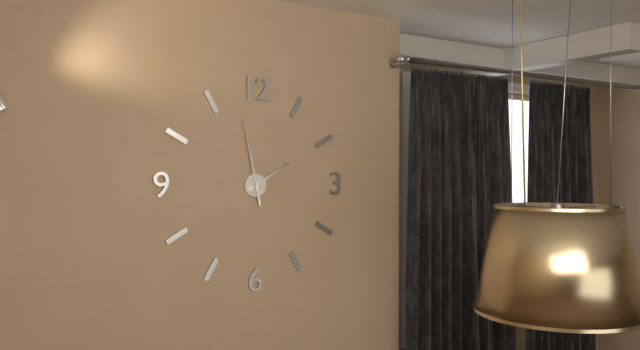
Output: {"hour": 1, "minute": 58}
